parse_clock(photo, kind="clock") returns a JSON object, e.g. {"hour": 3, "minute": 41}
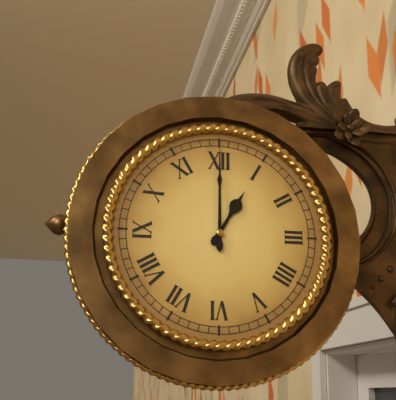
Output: {"hour": 1, "minute": 0}
